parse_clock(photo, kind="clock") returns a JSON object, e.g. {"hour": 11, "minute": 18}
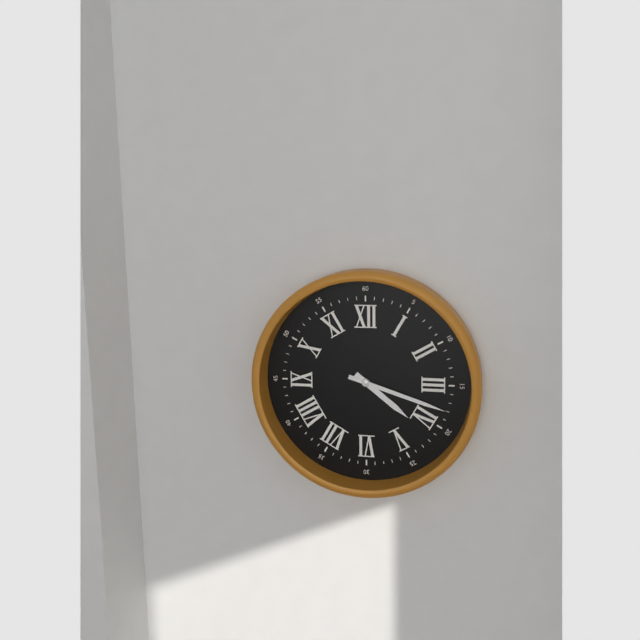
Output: {"hour": 4, "minute": 18}
